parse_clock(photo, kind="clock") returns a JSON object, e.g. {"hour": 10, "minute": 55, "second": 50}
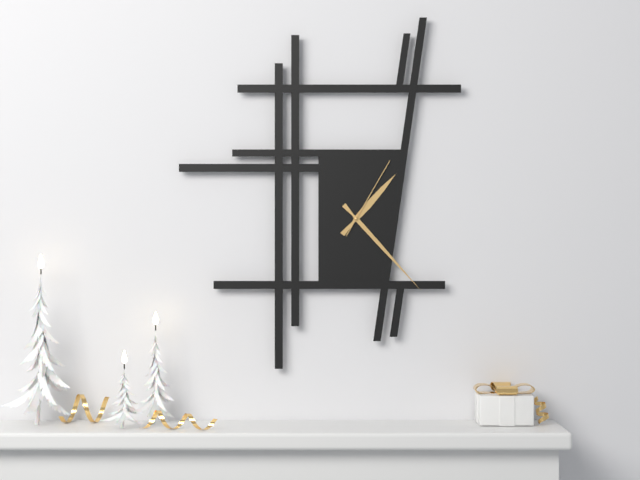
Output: {"hour": 1, "minute": 23, "second": 5}
